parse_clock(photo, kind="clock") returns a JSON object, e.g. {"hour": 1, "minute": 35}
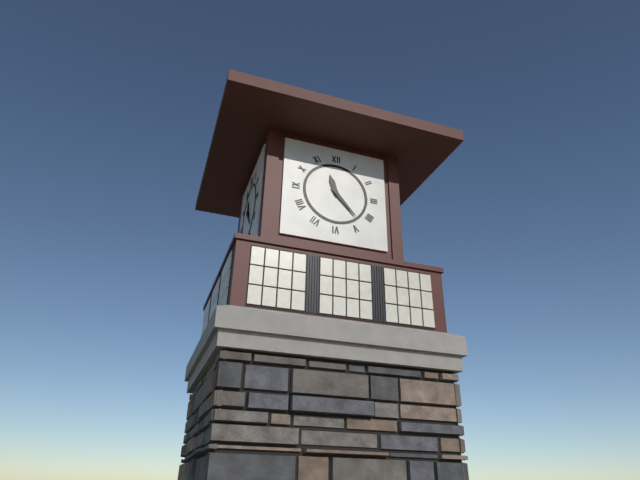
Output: {"hour": 11, "minute": 23}
